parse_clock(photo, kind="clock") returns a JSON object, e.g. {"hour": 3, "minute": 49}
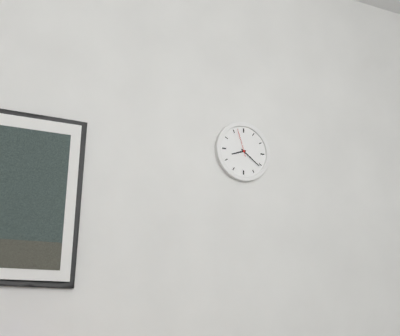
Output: {"hour": 8, "minute": 21}
